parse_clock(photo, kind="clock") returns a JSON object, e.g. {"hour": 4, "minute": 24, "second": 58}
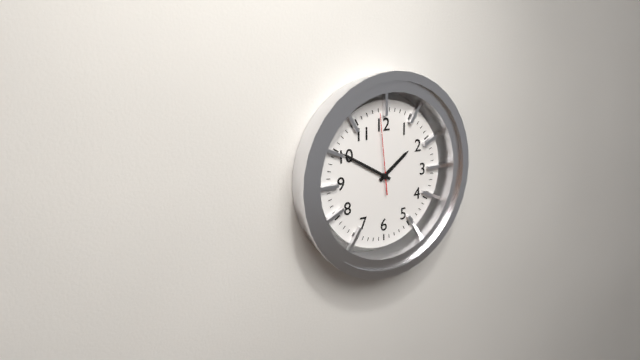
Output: {"hour": 1, "minute": 50, "second": 59}
